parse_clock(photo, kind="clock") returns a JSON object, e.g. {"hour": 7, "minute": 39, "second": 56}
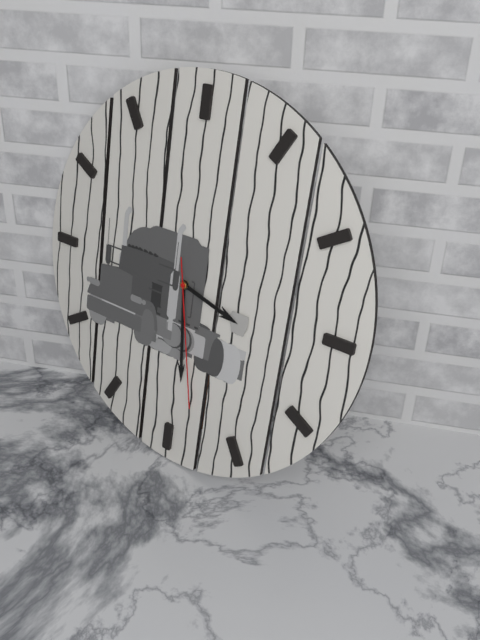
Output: {"hour": 3, "minute": 29, "second": 28}
